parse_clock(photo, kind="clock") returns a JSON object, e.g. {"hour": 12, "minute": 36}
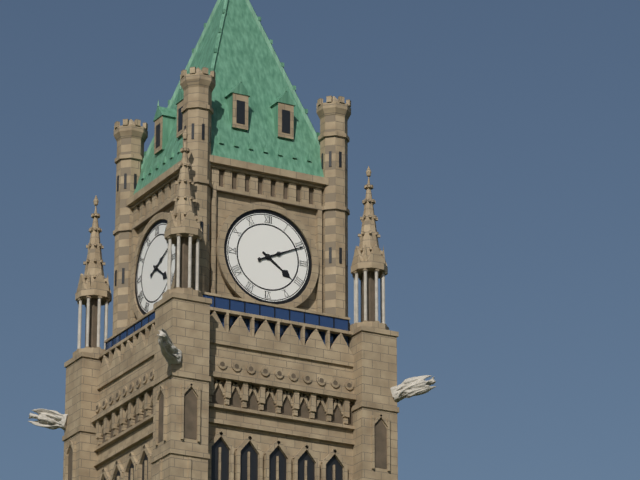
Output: {"hour": 4, "minute": 11}
